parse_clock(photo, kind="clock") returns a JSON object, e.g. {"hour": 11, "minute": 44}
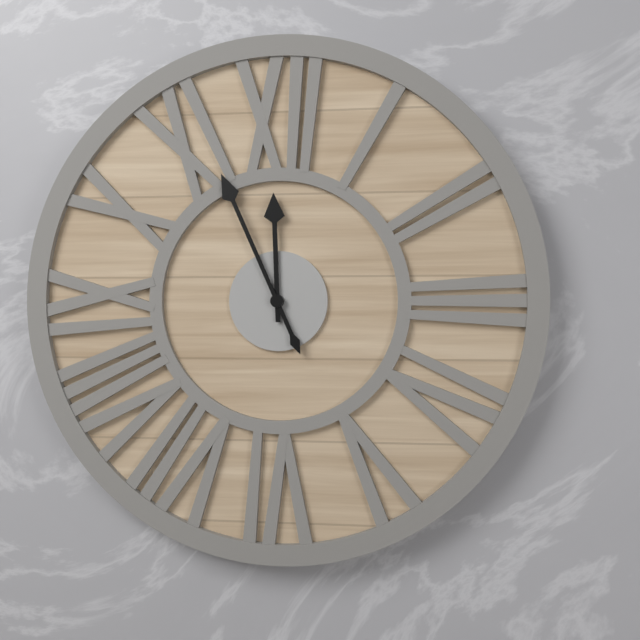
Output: {"hour": 11, "minute": 56}
